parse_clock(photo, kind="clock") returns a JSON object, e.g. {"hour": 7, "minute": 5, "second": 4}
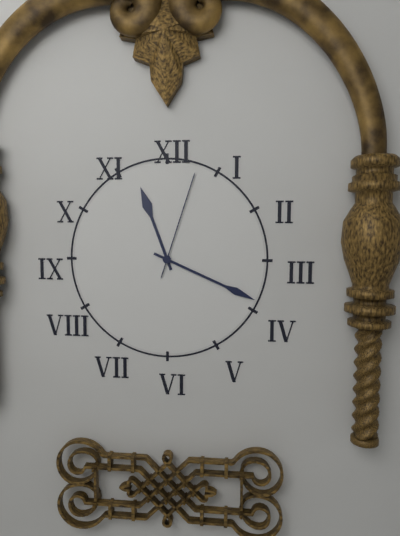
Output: {"hour": 11, "minute": 19, "second": 3}
